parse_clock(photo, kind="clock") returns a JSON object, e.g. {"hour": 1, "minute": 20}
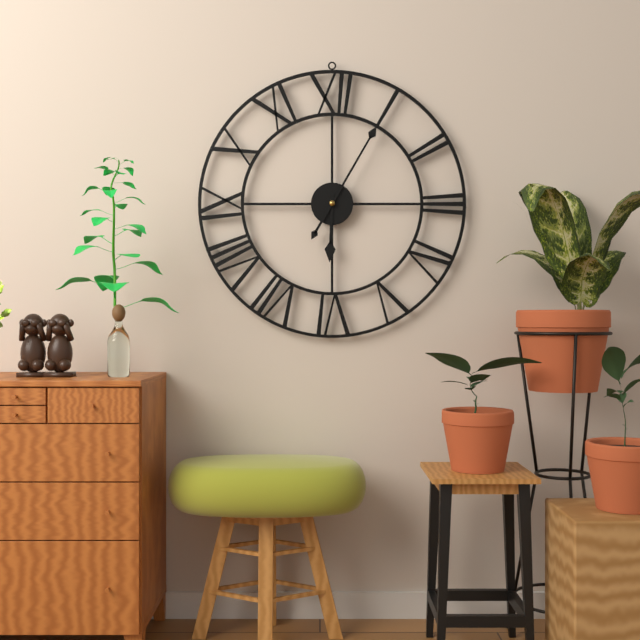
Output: {"hour": 6, "minute": 5}
